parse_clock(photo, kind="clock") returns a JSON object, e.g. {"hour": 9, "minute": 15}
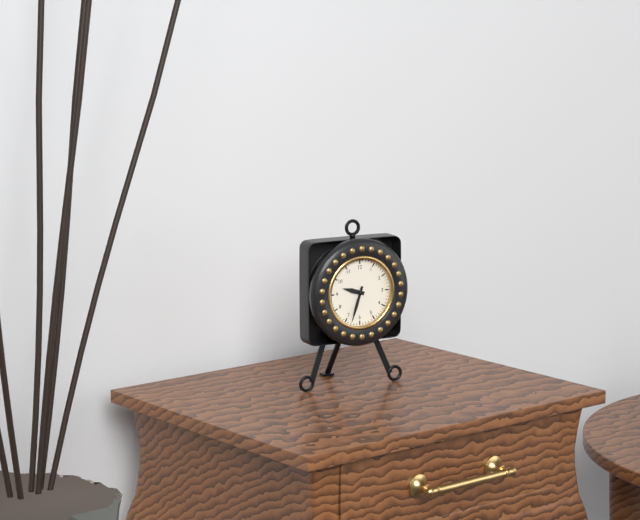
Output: {"hour": 9, "minute": 33}
